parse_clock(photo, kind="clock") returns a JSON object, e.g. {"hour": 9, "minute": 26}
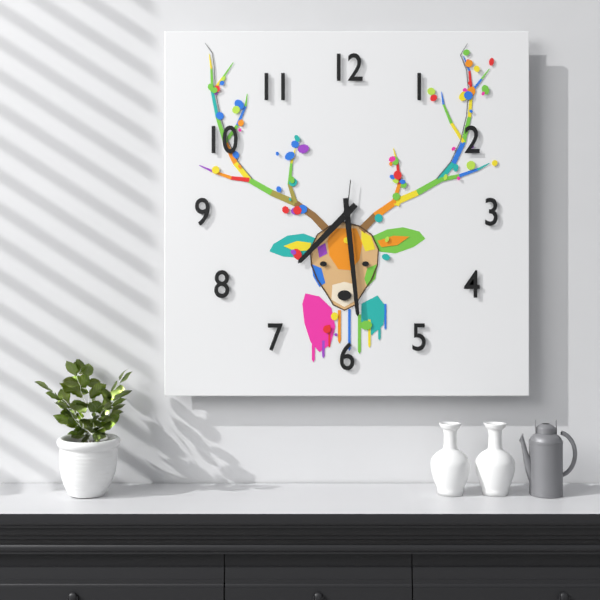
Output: {"hour": 7, "minute": 29}
